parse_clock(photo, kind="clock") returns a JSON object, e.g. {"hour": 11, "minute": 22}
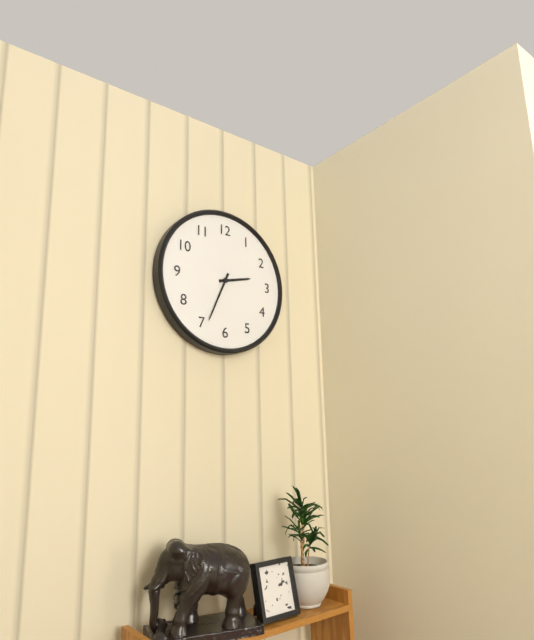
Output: {"hour": 2, "minute": 34}
